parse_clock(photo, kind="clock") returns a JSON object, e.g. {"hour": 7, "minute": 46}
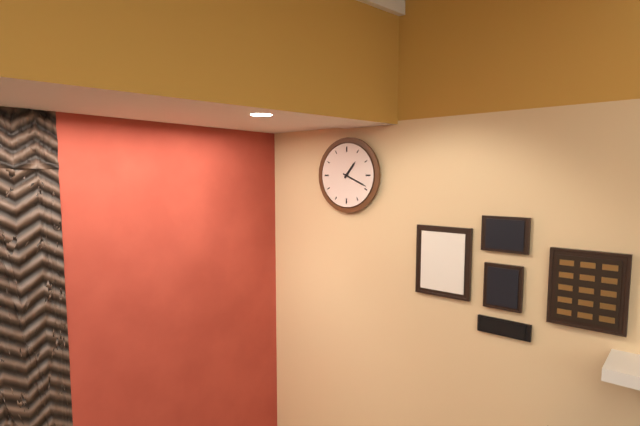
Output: {"hour": 1, "minute": 19}
